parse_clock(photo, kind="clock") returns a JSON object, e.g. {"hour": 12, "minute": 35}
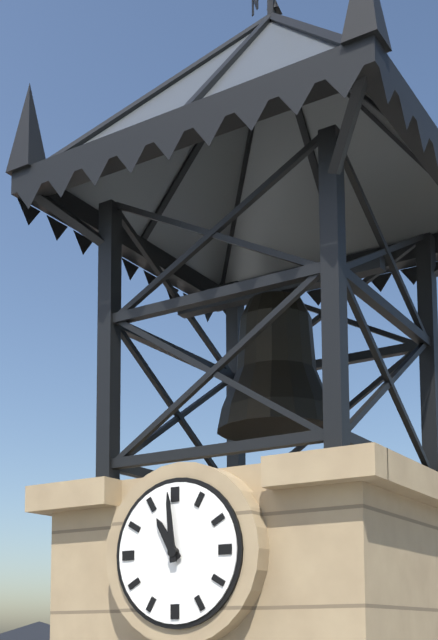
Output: {"hour": 10, "minute": 59}
